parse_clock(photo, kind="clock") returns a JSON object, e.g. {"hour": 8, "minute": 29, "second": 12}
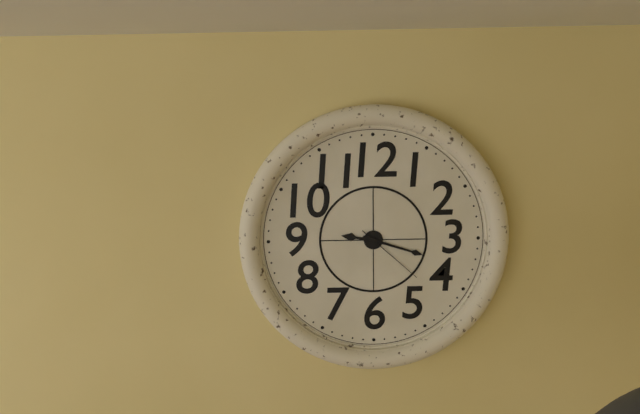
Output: {"hour": 9, "minute": 18, "second": 22}
